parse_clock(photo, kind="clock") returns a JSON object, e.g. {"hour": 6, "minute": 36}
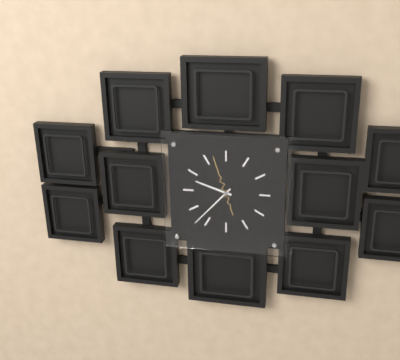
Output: {"hour": 9, "minute": 37}
